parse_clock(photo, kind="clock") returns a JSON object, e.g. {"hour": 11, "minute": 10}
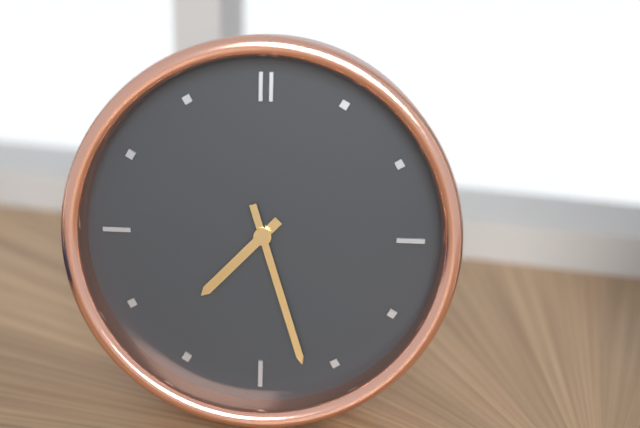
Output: {"hour": 7, "minute": 27}
